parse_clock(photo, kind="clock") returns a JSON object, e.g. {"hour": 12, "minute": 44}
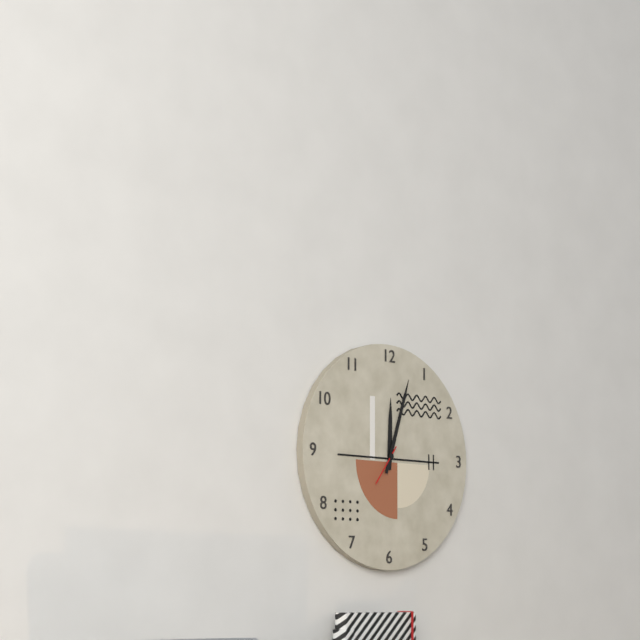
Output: {"hour": 12, "minute": 3}
